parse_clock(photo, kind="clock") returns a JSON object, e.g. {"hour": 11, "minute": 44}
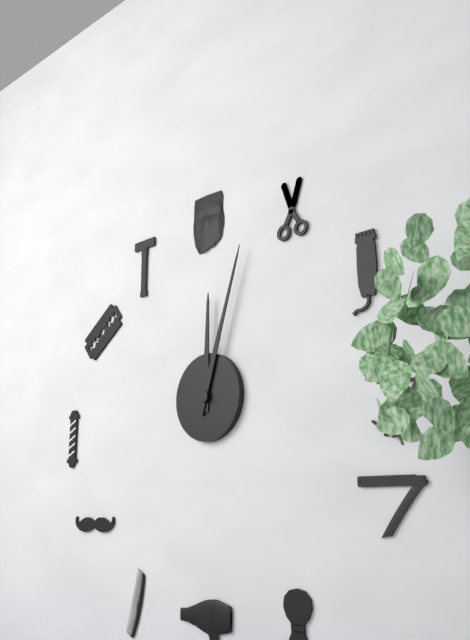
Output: {"hour": 12, "minute": 3}
